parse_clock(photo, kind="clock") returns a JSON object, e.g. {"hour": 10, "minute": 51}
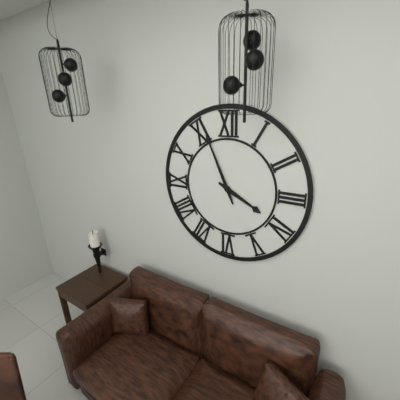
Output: {"hour": 3, "minute": 56}
